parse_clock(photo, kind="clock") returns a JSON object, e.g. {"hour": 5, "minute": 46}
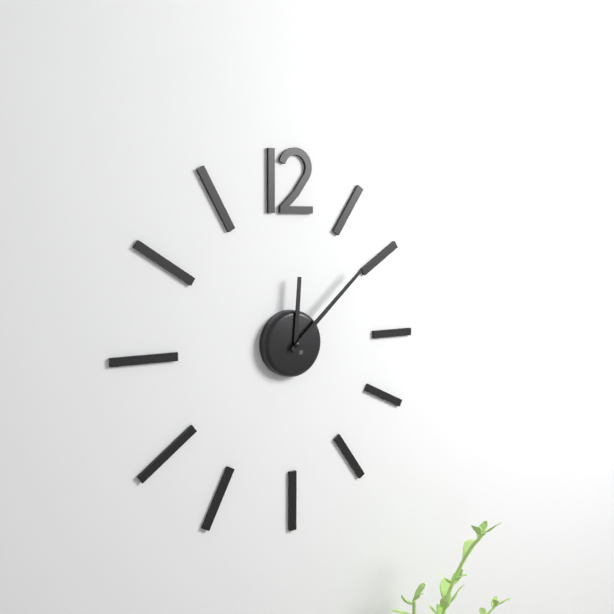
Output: {"hour": 12, "minute": 8}
